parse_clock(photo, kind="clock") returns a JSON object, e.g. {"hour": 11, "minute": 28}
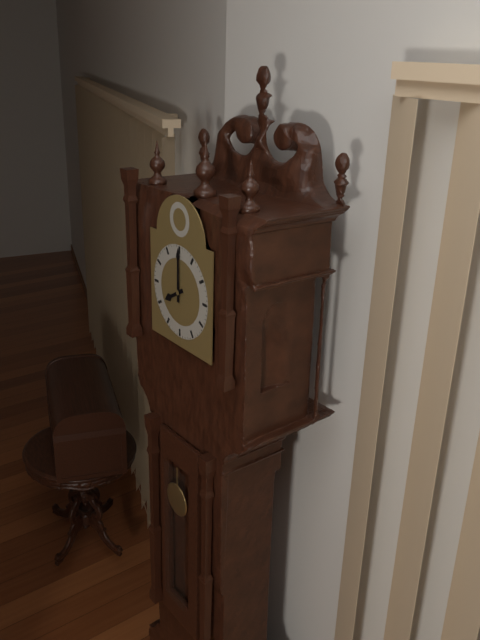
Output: {"hour": 8, "minute": 0}
